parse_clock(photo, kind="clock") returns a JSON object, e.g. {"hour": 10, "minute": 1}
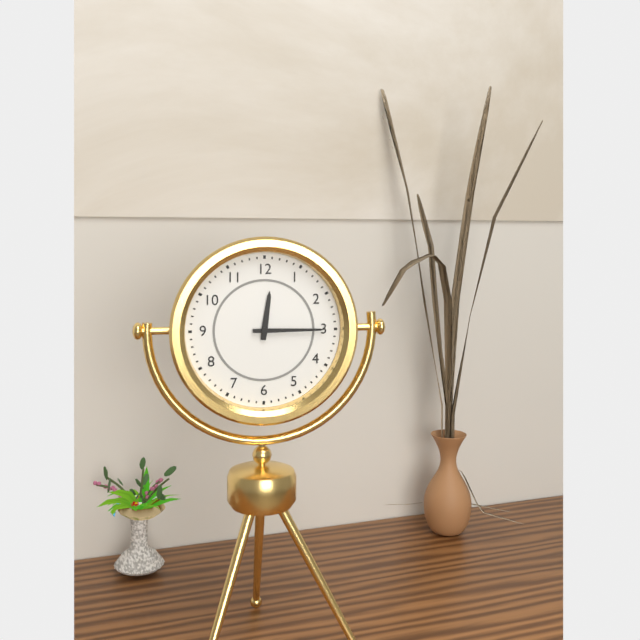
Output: {"hour": 12, "minute": 15}
